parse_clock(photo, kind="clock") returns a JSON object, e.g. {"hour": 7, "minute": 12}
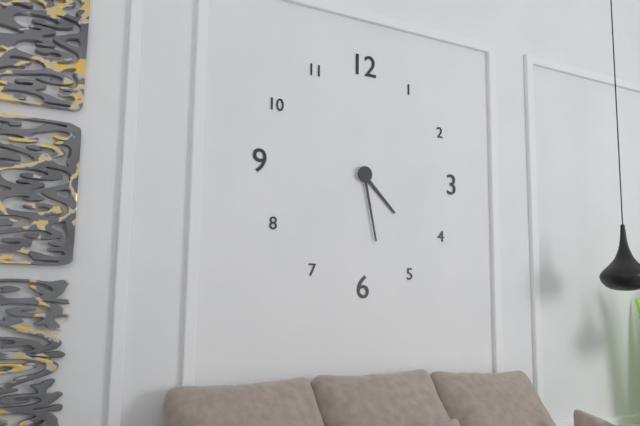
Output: {"hour": 4, "minute": 28}
